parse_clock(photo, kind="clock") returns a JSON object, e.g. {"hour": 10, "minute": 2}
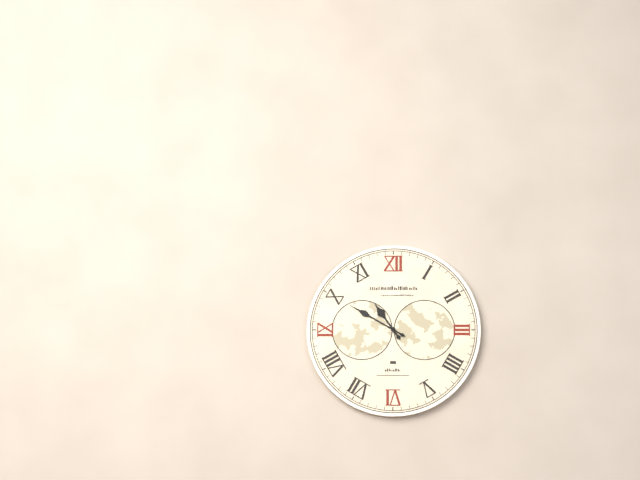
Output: {"hour": 10, "minute": 50}
